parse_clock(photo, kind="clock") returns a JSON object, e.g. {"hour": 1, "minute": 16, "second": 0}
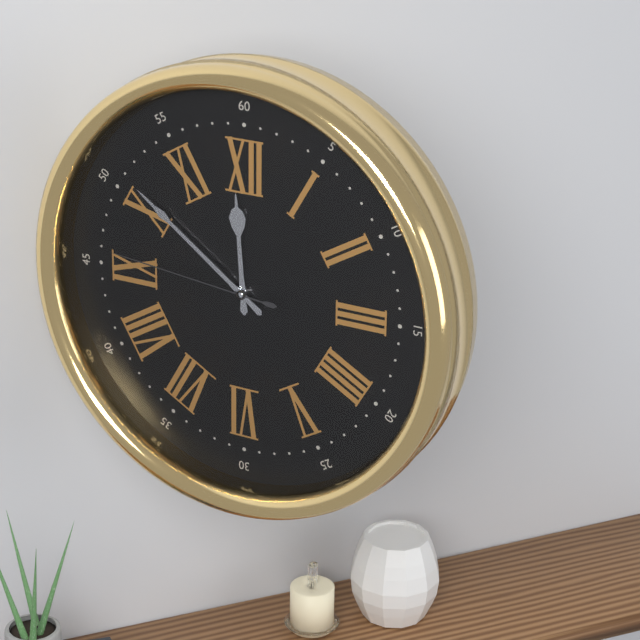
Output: {"hour": 11, "minute": 51, "second": 46}
